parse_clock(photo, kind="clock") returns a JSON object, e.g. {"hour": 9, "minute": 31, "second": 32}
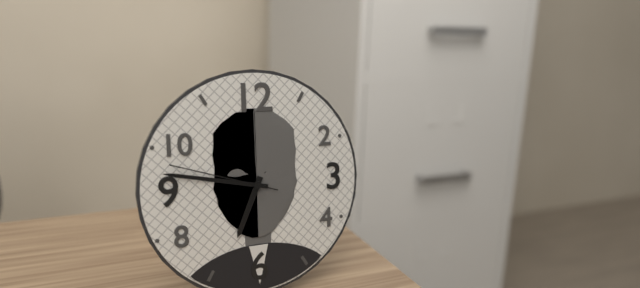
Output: {"hour": 6, "minute": 47, "second": 48}
